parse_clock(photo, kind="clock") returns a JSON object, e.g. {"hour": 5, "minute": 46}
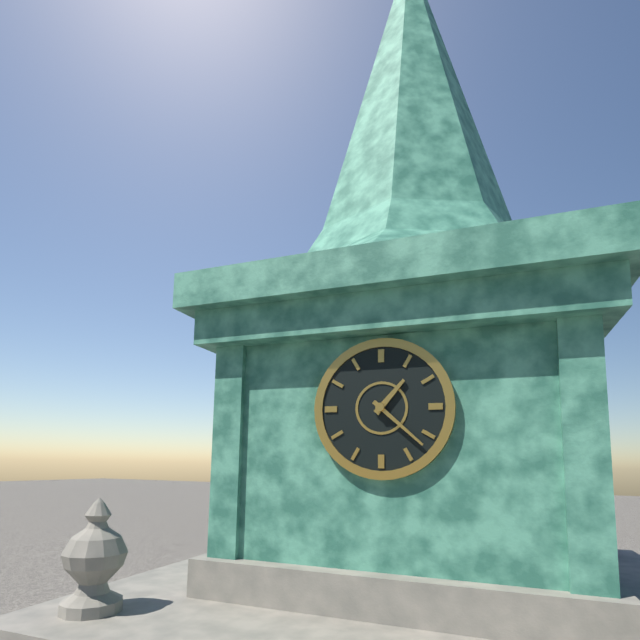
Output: {"hour": 1, "minute": 22}
